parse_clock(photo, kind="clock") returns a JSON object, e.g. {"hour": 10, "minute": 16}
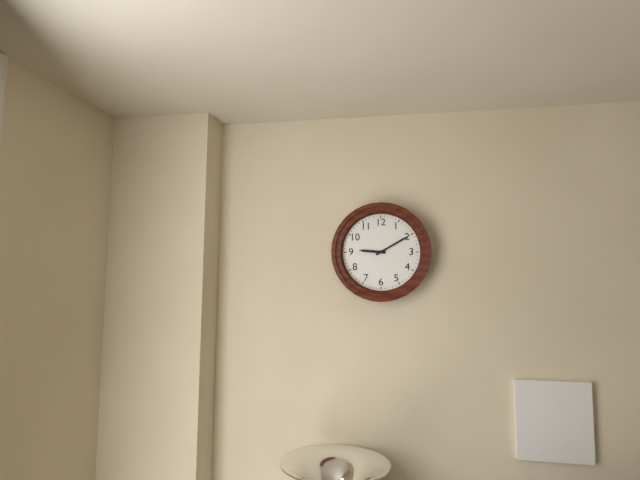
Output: {"hour": 9, "minute": 10}
